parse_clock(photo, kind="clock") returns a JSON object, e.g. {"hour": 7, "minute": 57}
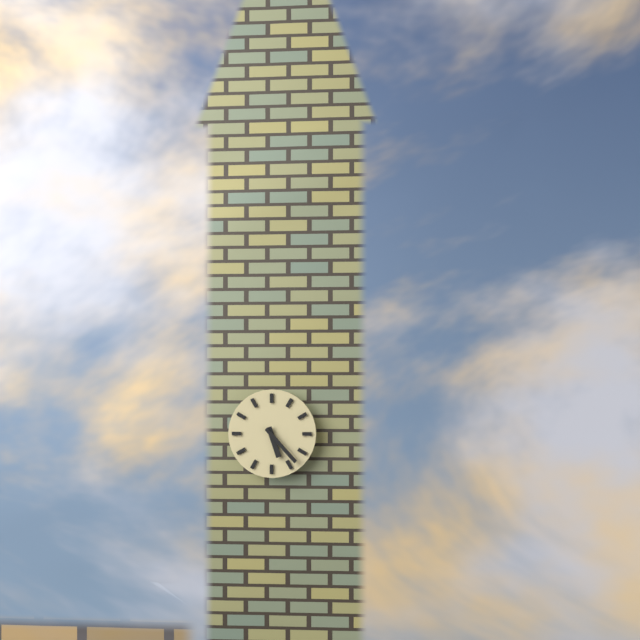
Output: {"hour": 5, "minute": 23}
